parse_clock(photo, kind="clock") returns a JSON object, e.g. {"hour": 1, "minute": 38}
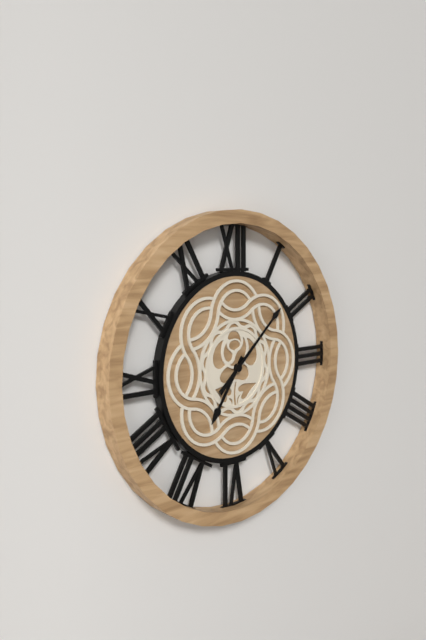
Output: {"hour": 7, "minute": 8}
